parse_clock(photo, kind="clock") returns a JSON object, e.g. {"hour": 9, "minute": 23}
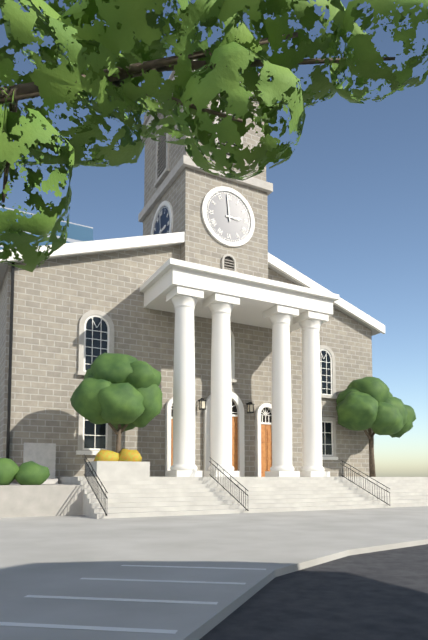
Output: {"hour": 2, "minute": 59}
